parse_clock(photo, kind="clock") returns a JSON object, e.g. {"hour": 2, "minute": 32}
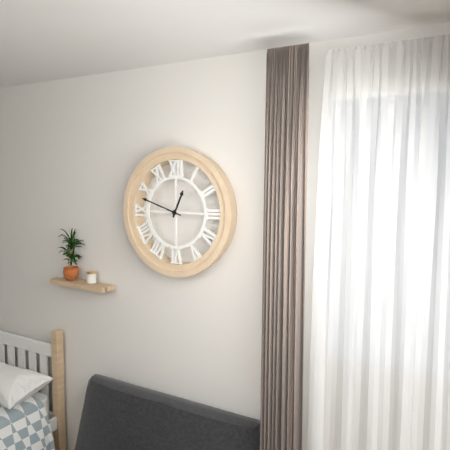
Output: {"hour": 12, "minute": 48}
